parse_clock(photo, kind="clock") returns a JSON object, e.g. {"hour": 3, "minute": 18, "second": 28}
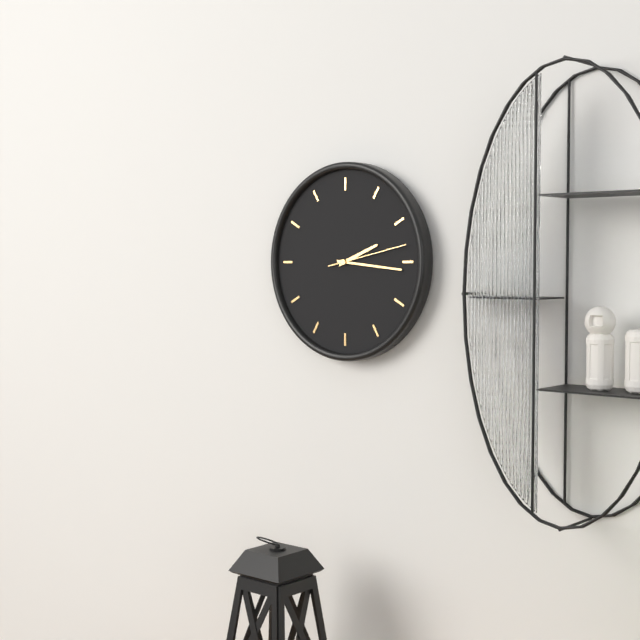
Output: {"hour": 2, "minute": 16, "second": 13}
